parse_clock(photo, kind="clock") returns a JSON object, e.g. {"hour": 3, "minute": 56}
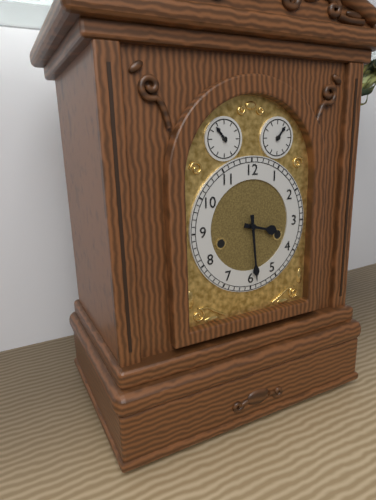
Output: {"hour": 3, "minute": 29}
